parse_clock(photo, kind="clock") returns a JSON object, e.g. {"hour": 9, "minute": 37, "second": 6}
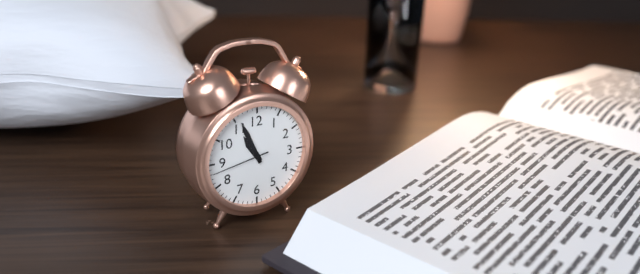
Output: {"hour": 10, "minute": 56, "second": 43}
